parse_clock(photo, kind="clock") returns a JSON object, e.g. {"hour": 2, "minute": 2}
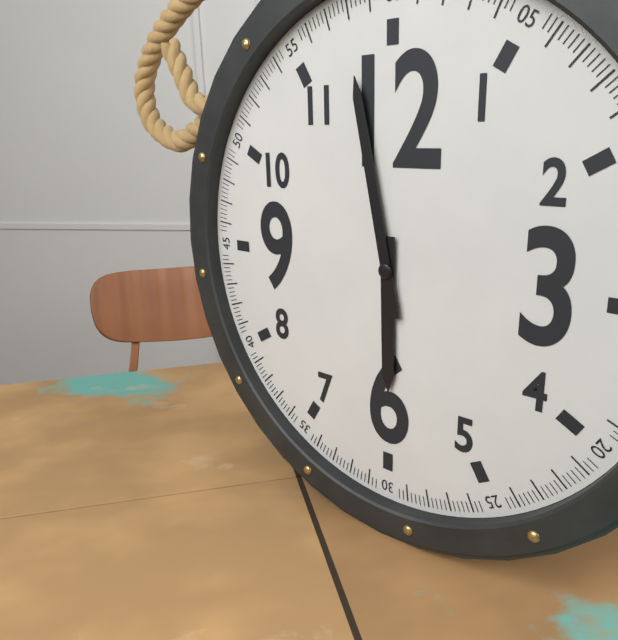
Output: {"hour": 5, "minute": 58}
